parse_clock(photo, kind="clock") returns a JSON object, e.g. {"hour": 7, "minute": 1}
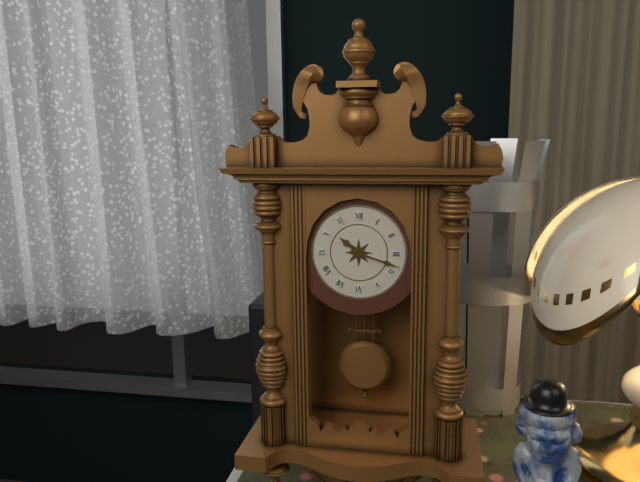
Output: {"hour": 10, "minute": 18}
